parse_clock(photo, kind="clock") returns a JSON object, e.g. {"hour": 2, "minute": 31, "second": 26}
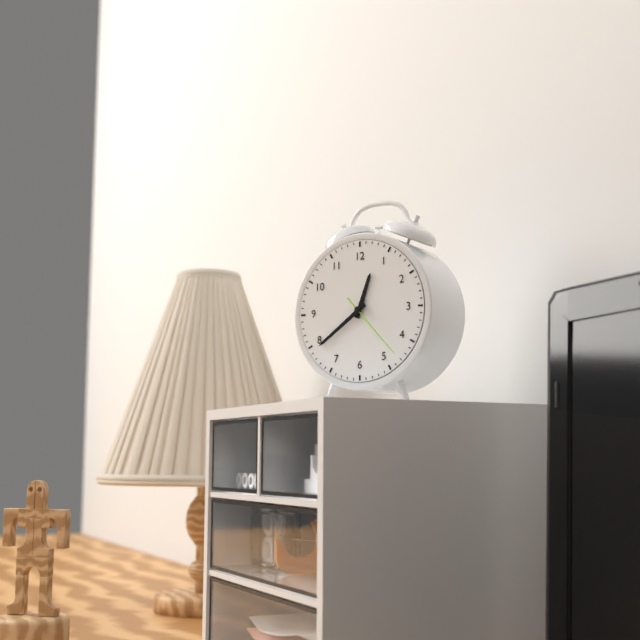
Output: {"hour": 12, "minute": 39, "second": 23}
